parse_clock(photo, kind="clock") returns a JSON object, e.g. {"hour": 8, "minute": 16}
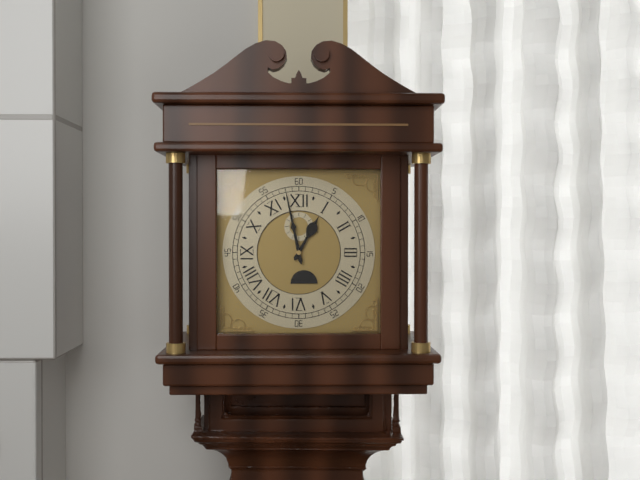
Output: {"hour": 12, "minute": 58}
